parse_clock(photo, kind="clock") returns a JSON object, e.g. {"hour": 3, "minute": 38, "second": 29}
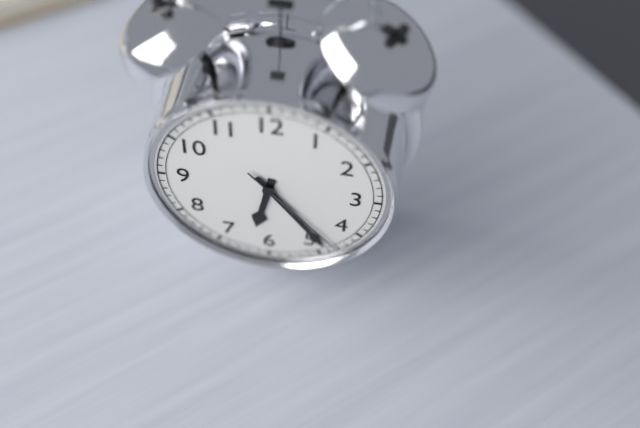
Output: {"hour": 6, "minute": 24, "second": 23}
